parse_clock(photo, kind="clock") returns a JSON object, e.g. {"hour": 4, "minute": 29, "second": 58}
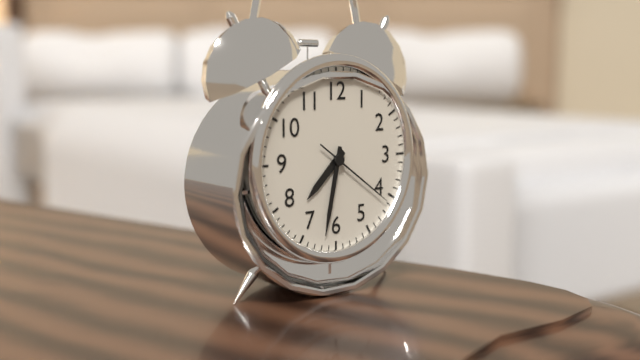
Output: {"hour": 7, "minute": 32, "second": 21}
